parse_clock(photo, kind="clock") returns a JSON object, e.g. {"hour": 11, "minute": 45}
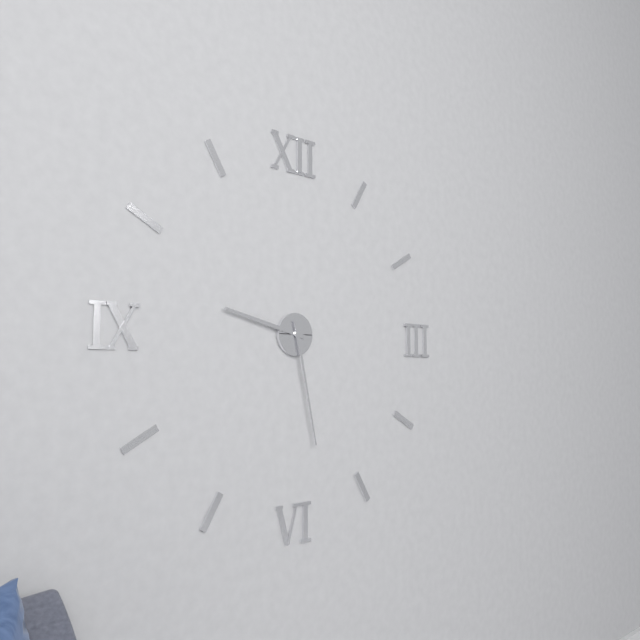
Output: {"hour": 9, "minute": 28}
